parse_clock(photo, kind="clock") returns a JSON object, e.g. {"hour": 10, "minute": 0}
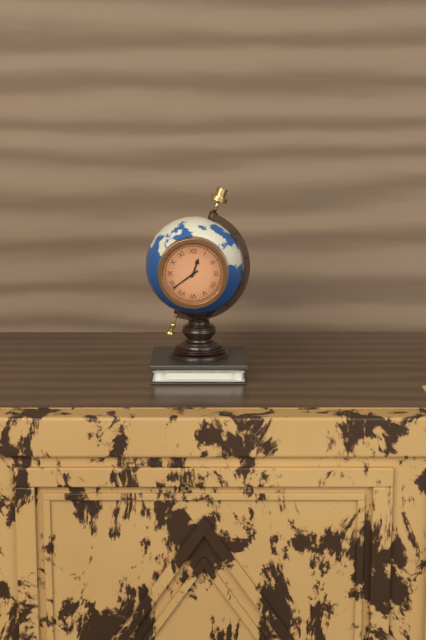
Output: {"hour": 12, "minute": 39}
